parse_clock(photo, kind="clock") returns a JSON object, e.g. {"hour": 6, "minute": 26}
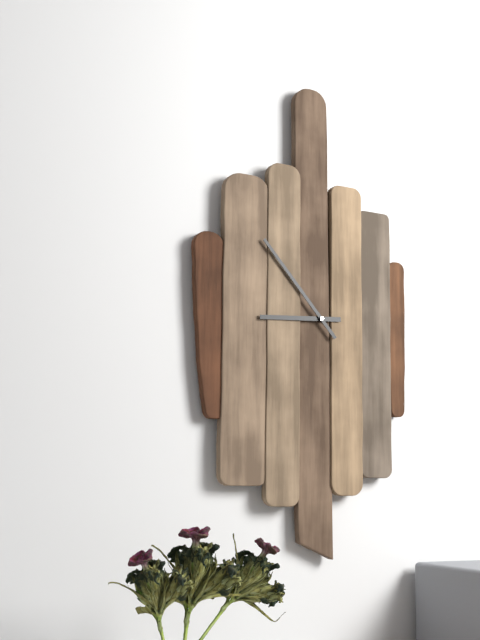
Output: {"hour": 8, "minute": 53}
